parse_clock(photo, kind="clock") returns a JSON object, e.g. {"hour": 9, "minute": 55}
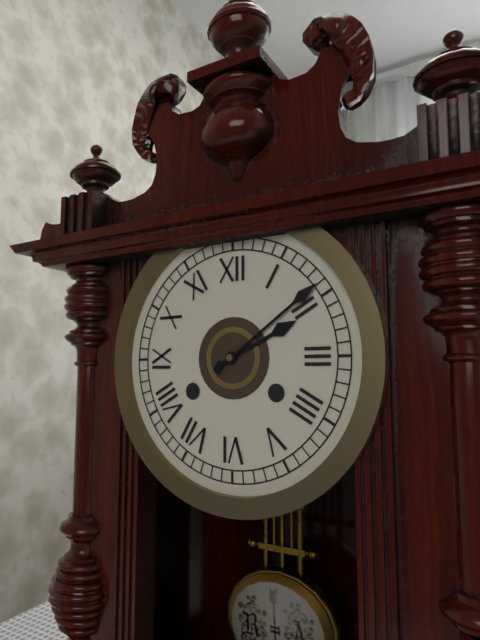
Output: {"hour": 2, "minute": 9}
